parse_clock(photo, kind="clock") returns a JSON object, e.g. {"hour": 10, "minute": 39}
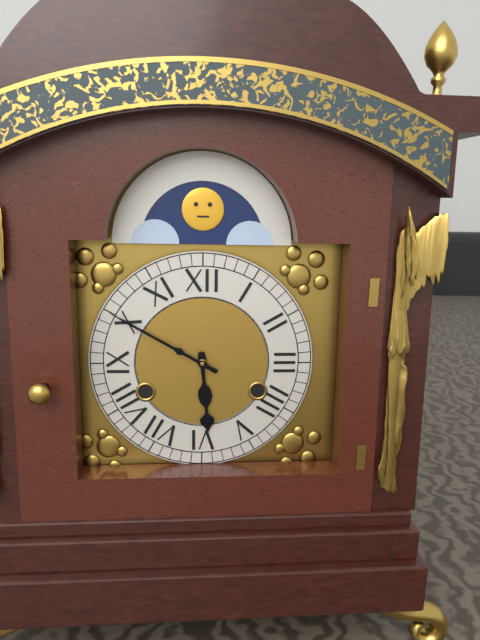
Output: {"hour": 5, "minute": 50}
